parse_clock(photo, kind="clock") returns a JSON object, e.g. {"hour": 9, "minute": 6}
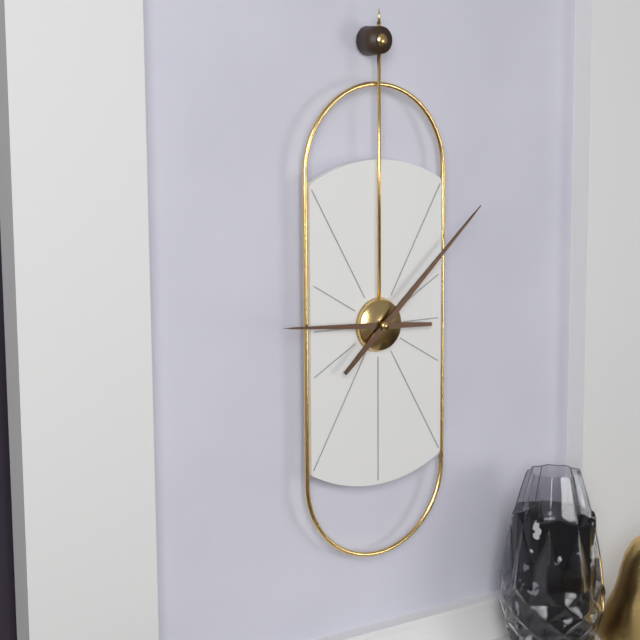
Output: {"hour": 9, "minute": 8}
